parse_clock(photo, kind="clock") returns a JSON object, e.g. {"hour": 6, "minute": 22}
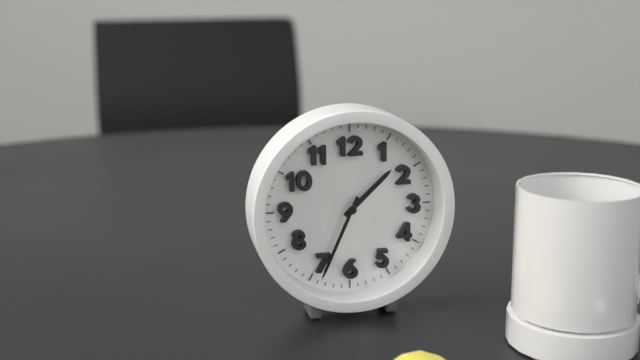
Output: {"hour": 1, "minute": 34}
